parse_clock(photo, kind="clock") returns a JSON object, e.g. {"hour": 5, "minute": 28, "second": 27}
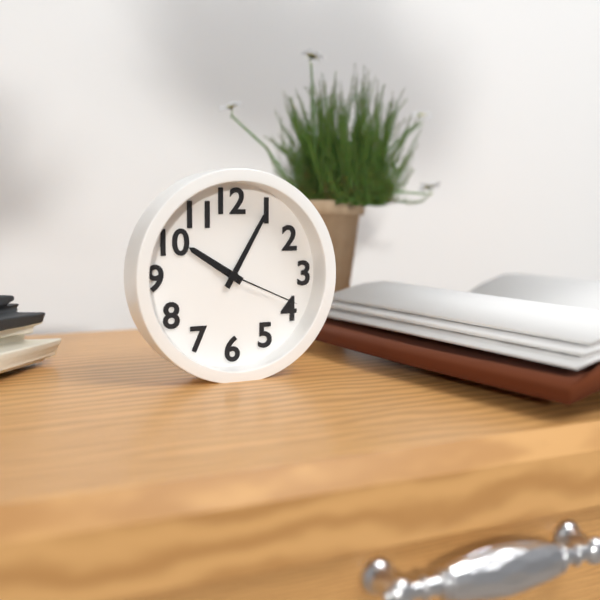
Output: {"hour": 10, "minute": 5, "second": 19}
